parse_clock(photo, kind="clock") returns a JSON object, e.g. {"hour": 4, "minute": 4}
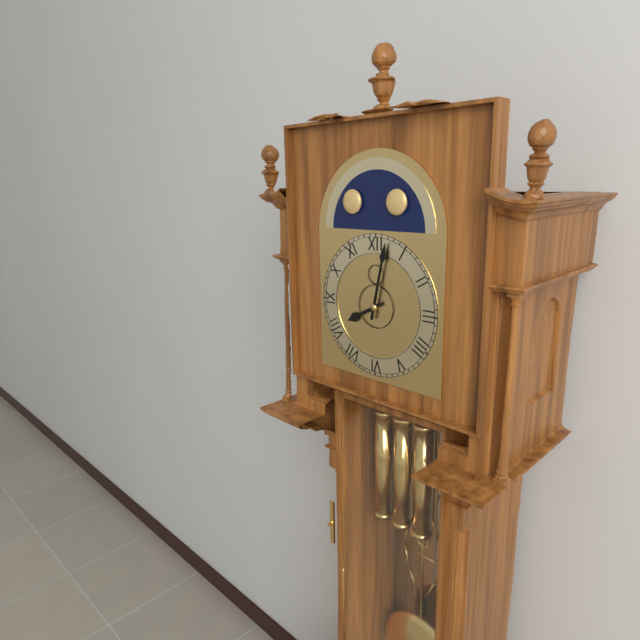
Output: {"hour": 8, "minute": 2}
